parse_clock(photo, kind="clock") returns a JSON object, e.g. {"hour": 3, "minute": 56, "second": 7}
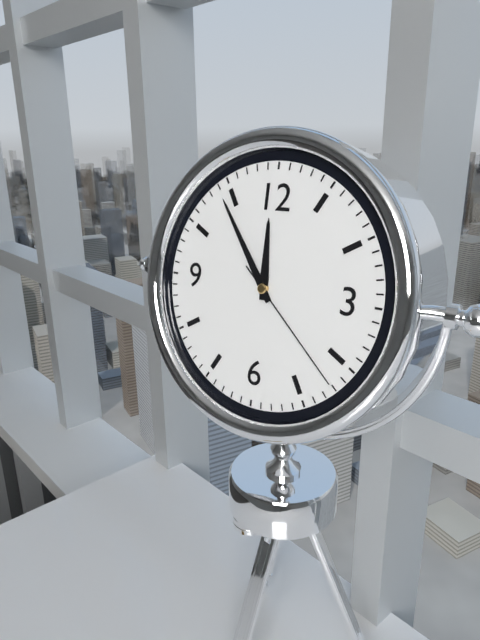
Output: {"hour": 11, "minute": 54, "second": 22}
